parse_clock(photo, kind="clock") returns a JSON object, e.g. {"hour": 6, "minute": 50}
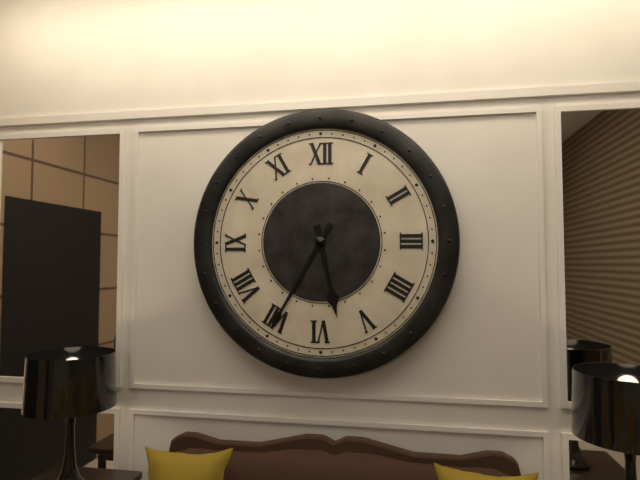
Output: {"hour": 5, "minute": 35}
